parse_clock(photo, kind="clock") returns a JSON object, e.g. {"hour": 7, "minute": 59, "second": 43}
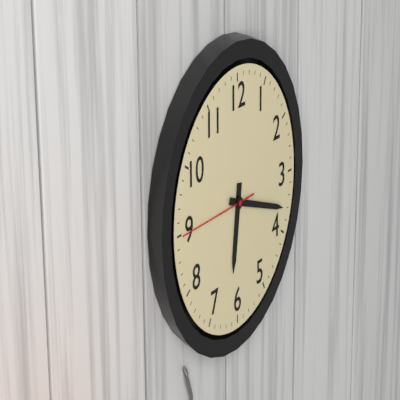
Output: {"hour": 6, "minute": 18, "second": 45}
